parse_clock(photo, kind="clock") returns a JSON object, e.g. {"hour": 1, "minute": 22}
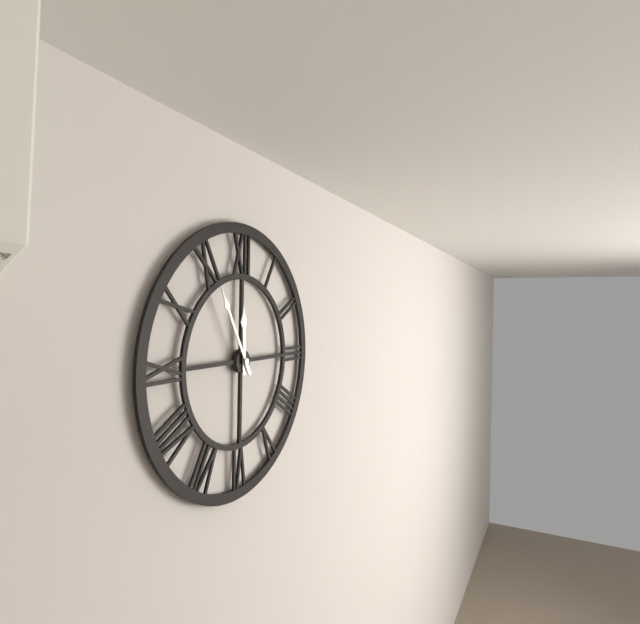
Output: {"hour": 11, "minute": 55}
